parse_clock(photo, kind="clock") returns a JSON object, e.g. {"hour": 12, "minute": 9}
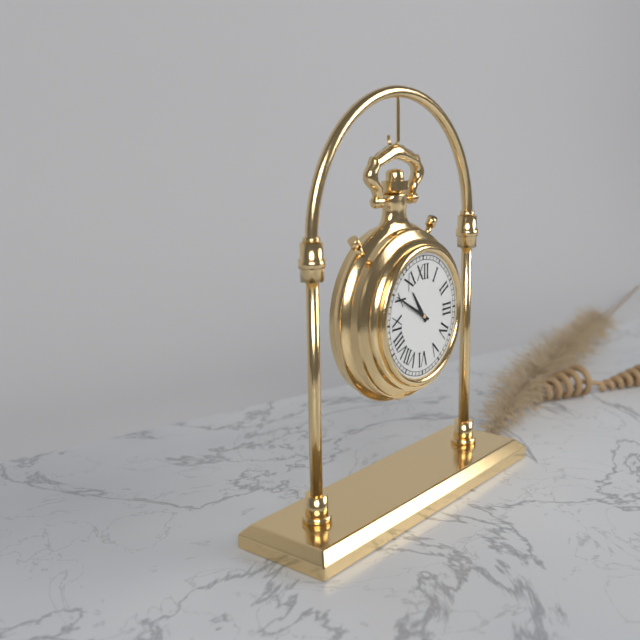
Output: {"hour": 10, "minute": 50}
